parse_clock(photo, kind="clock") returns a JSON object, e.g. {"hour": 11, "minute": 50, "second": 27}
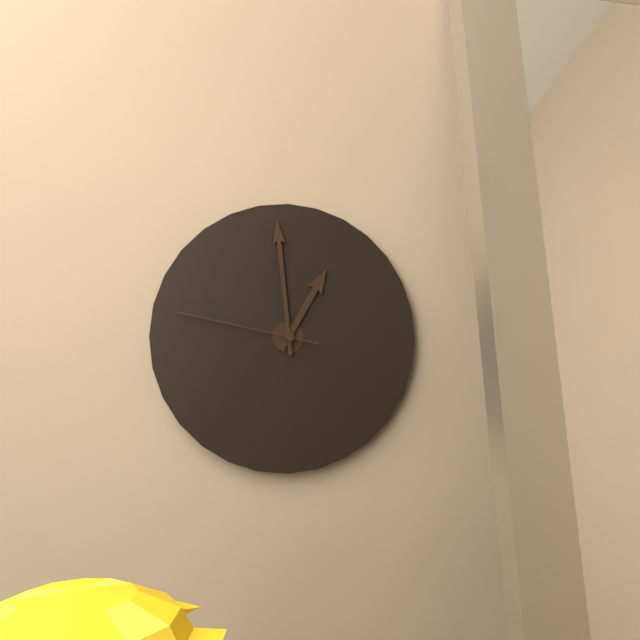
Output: {"hour": 12, "minute": 59, "second": 47}
